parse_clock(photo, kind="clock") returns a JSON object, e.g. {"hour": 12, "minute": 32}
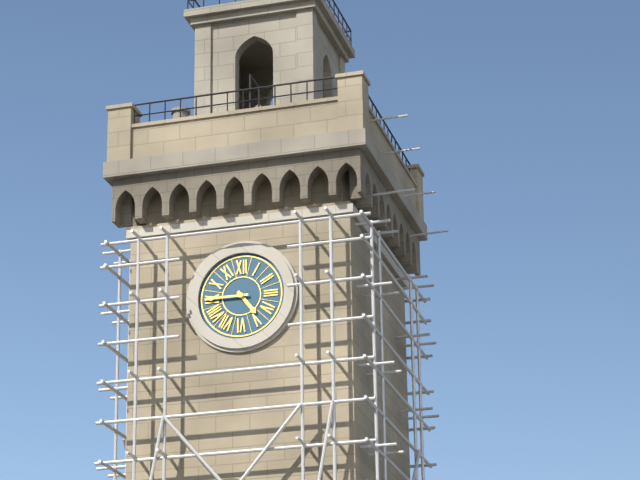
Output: {"hour": 4, "minute": 45}
